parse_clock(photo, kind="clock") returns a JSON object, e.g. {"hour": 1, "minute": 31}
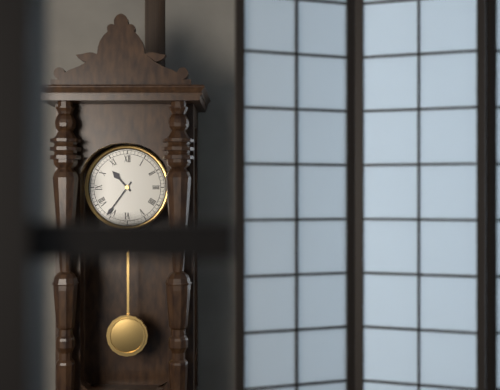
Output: {"hour": 10, "minute": 36}
